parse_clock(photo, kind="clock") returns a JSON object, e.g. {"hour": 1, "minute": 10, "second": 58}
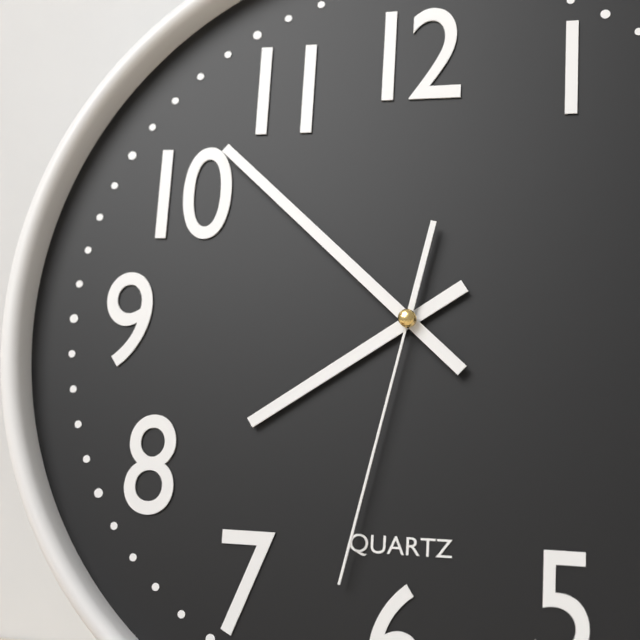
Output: {"hour": 7, "minute": 52, "second": 32}
